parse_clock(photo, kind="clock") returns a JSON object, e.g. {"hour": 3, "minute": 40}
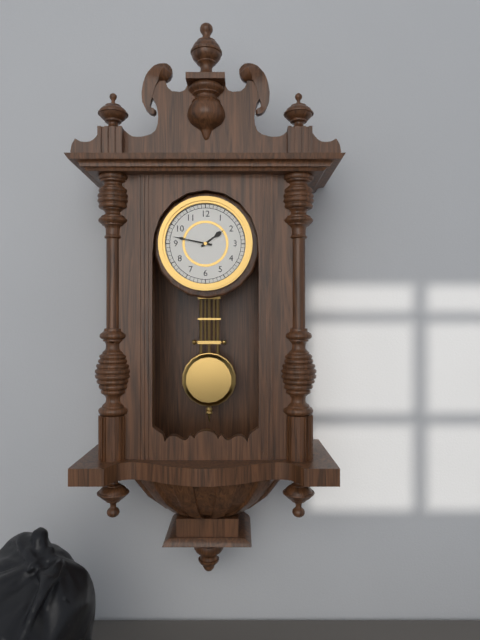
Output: {"hour": 1, "minute": 47}
